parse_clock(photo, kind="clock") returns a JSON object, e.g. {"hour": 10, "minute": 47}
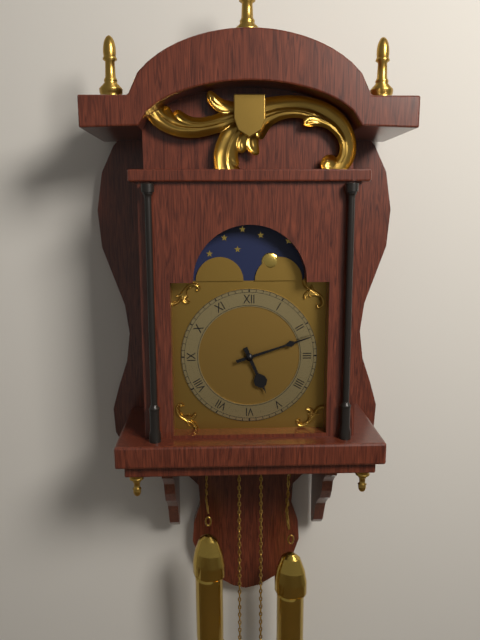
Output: {"hour": 5, "minute": 12}
